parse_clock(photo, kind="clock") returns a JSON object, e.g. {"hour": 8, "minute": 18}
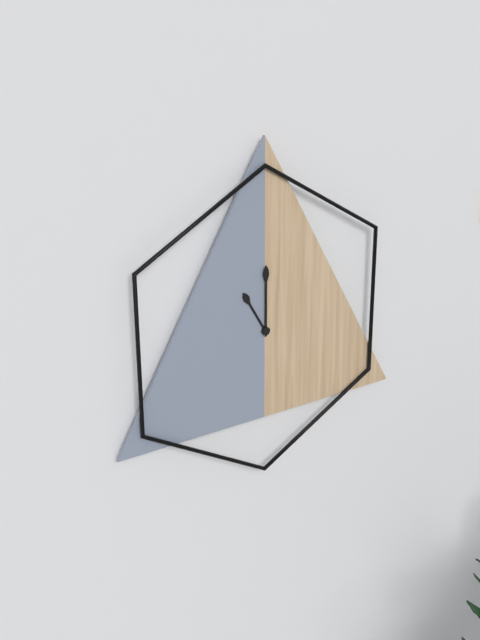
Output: {"hour": 11, "minute": 0}
